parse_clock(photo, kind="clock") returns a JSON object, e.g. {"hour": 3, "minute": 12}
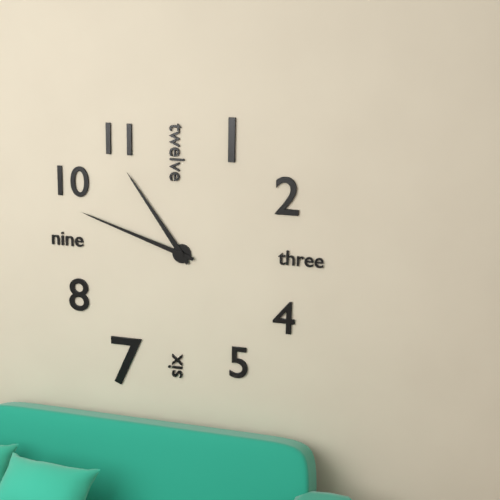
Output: {"hour": 10, "minute": 48}
